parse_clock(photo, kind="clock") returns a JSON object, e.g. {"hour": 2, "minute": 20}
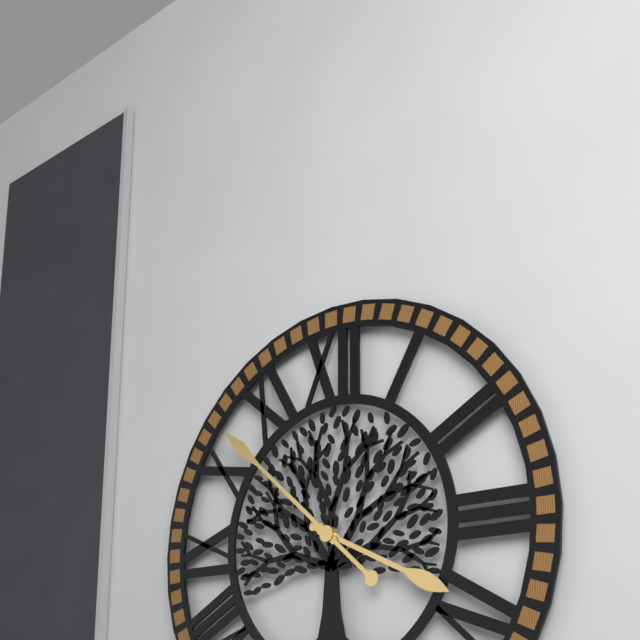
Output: {"hour": 3, "minute": 52}
